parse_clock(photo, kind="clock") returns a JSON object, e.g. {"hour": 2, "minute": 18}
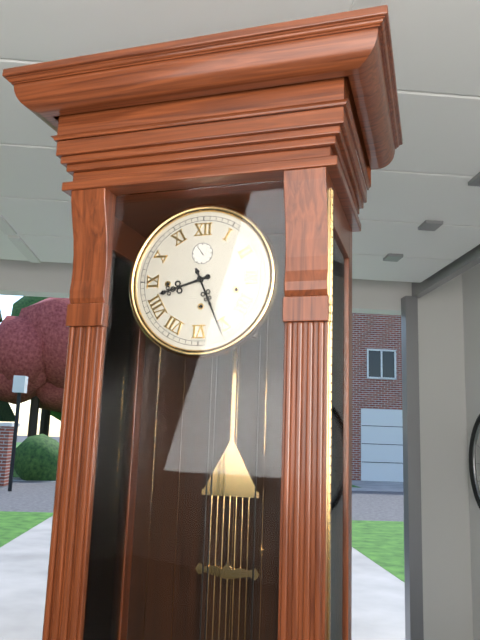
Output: {"hour": 8, "minute": 26}
